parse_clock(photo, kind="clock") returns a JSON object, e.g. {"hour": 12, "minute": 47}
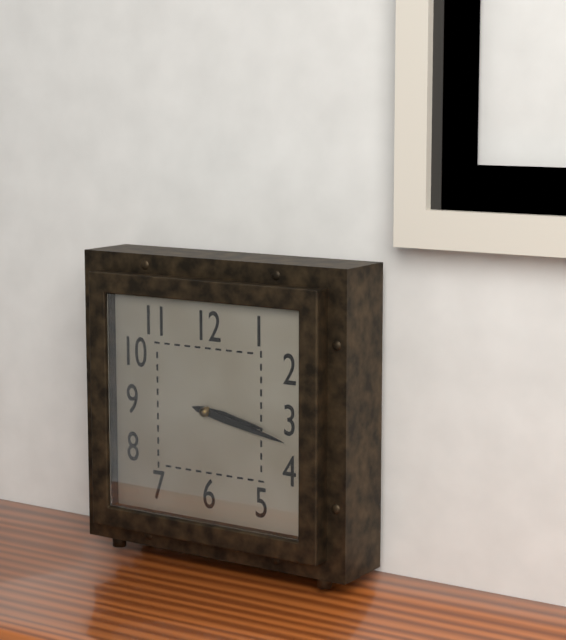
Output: {"hour": 3, "minute": 17}
